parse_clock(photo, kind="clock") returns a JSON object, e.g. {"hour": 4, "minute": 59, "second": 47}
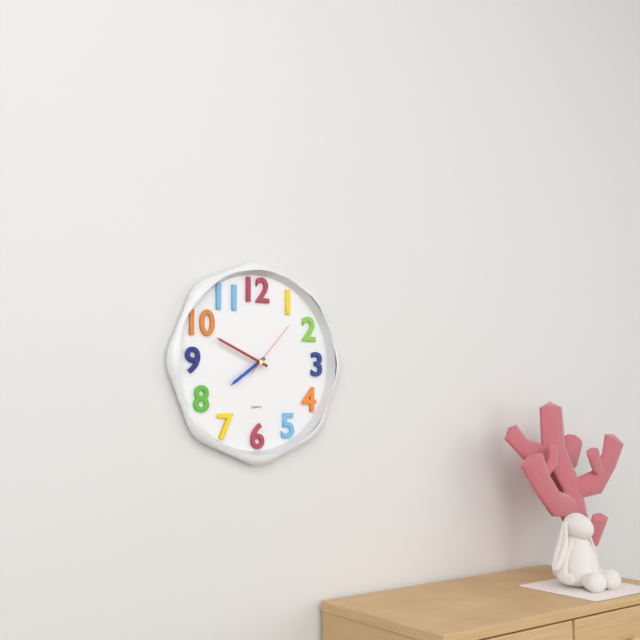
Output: {"hour": 7, "minute": 49, "second": 7}
